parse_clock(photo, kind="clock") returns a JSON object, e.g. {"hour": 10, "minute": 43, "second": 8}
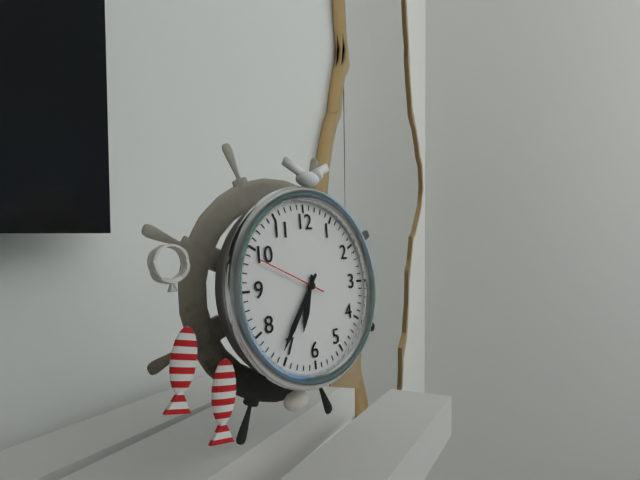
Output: {"hour": 6, "minute": 36, "second": 49}
